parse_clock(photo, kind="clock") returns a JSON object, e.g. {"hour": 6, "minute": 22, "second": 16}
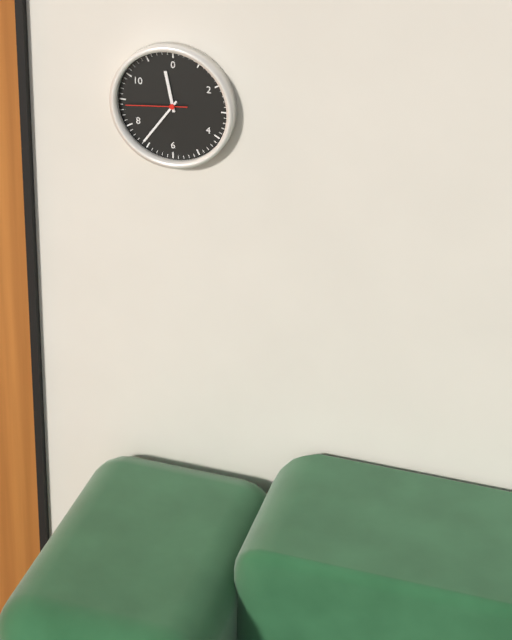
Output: {"hour": 11, "minute": 36, "second": 44}
